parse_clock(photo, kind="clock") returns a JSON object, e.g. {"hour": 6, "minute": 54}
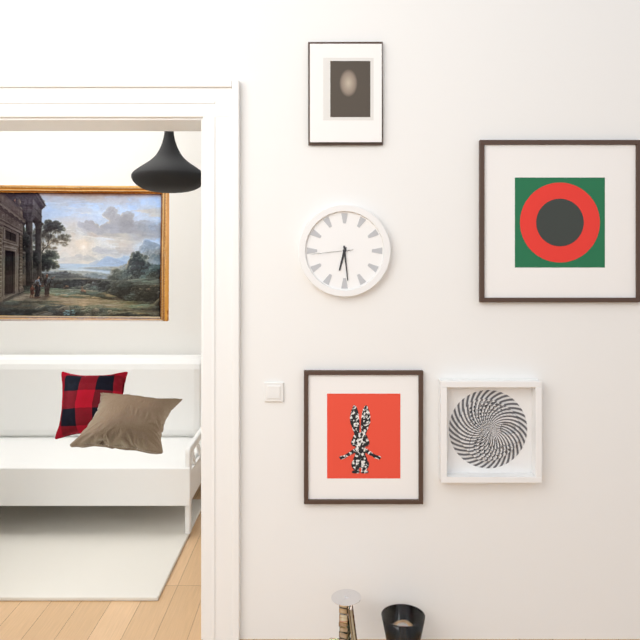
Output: {"hour": 6, "minute": 29}
